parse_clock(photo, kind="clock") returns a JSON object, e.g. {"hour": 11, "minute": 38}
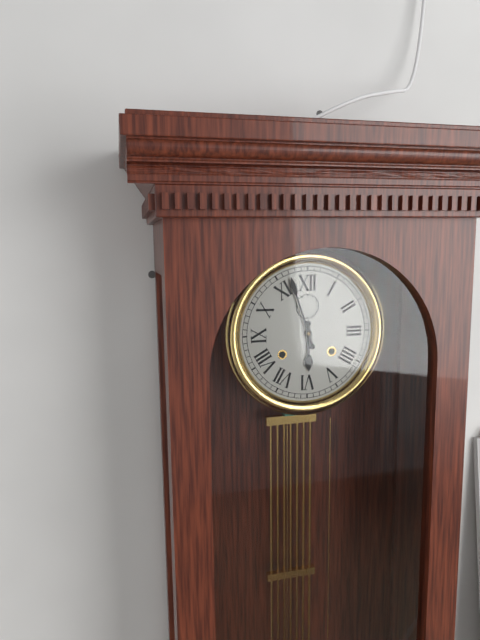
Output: {"hour": 5, "minute": 57}
